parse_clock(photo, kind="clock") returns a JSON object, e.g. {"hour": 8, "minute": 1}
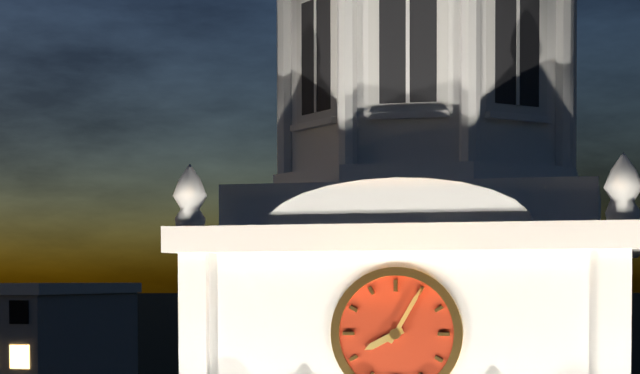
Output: {"hour": 8, "minute": 5}
